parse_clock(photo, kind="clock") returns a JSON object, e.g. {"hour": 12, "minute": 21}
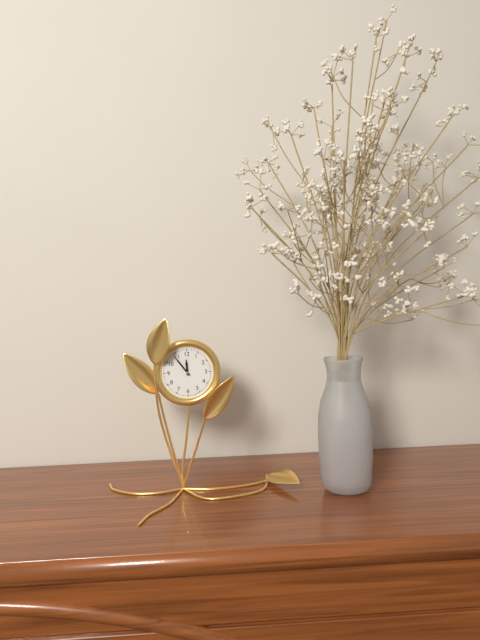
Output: {"hour": 11, "minute": 54}
